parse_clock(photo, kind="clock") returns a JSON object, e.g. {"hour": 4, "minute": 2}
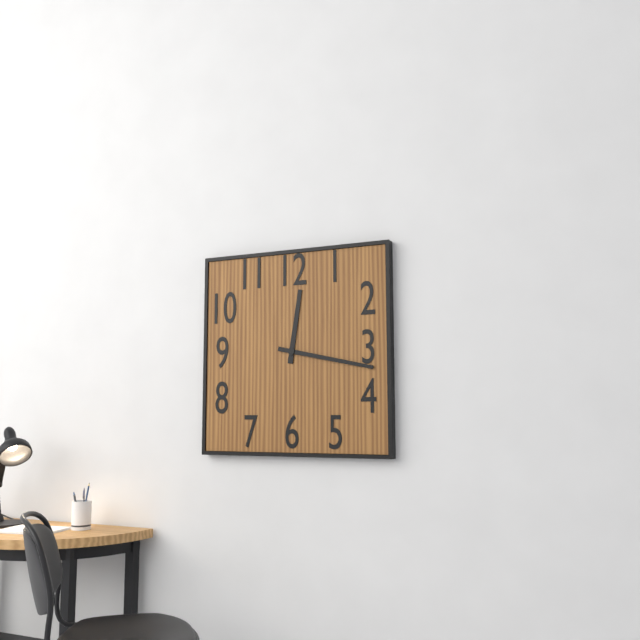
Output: {"hour": 12, "minute": 17}
